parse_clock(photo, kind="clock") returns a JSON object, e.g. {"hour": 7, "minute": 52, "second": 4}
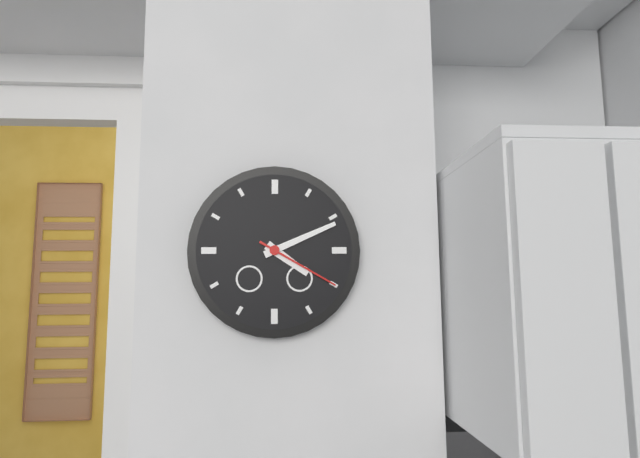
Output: {"hour": 4, "minute": 11, "second": 20}
